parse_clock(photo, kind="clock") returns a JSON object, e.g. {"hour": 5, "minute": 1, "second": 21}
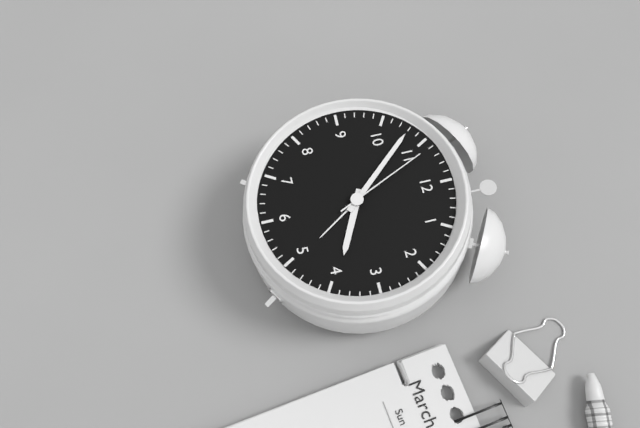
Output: {"hour": 3, "minute": 53, "second": 56}
